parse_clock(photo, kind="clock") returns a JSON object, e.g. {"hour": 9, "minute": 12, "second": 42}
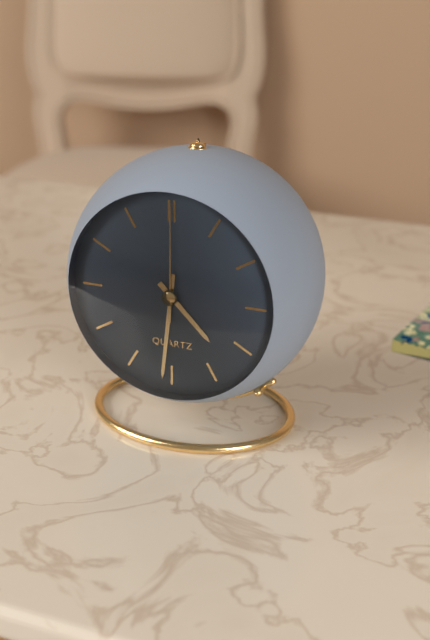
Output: {"hour": 4, "minute": 31, "second": 0}
